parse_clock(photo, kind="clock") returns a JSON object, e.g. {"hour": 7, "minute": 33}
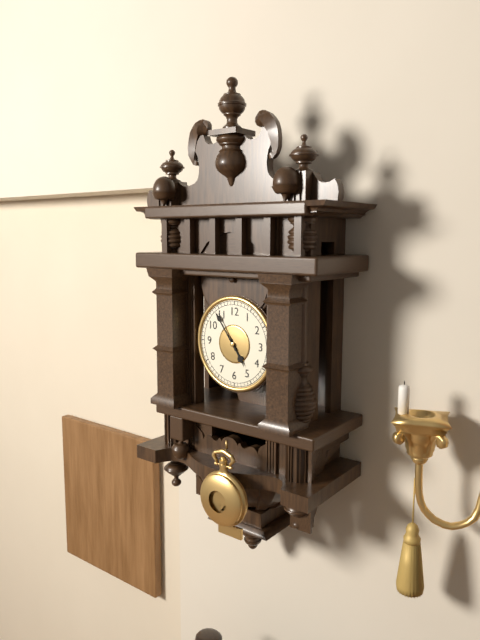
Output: {"hour": 4, "minute": 54}
